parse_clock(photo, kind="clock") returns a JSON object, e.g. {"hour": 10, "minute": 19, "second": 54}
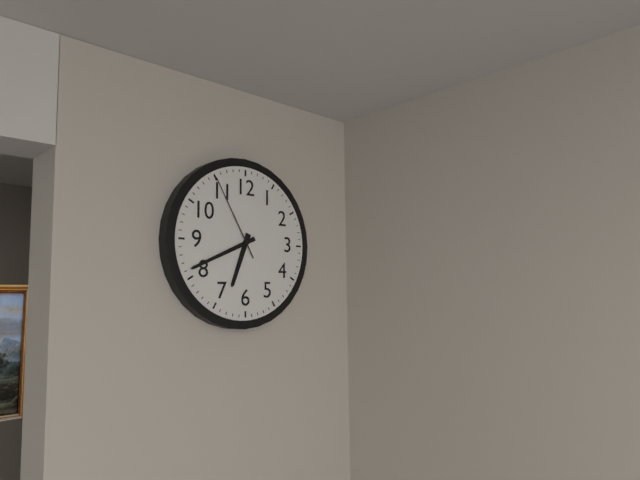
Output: {"hour": 6, "minute": 41, "second": 55}
